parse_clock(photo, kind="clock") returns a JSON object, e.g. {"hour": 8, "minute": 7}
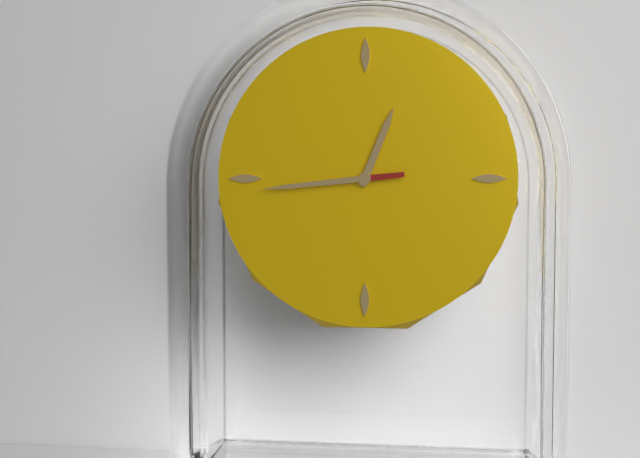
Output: {"hour": 12, "minute": 44}
